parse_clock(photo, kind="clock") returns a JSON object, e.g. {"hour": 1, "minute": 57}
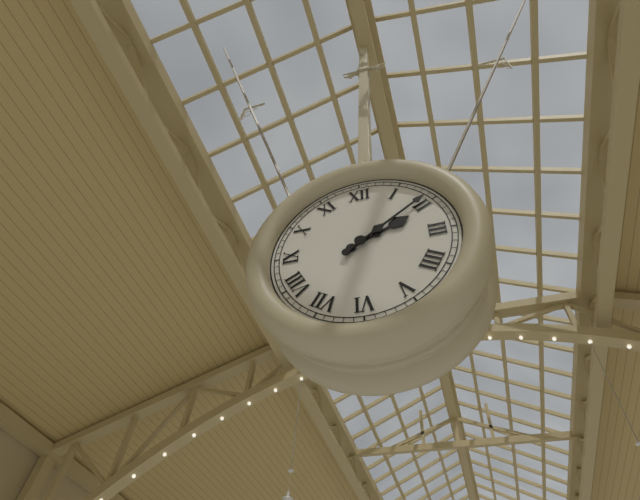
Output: {"hour": 2, "minute": 9}
